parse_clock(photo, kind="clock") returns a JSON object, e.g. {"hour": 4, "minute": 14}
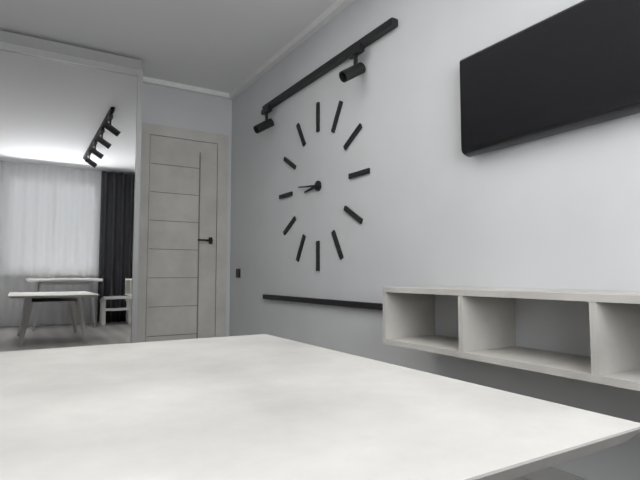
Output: {"hour": 8, "minute": 46}
